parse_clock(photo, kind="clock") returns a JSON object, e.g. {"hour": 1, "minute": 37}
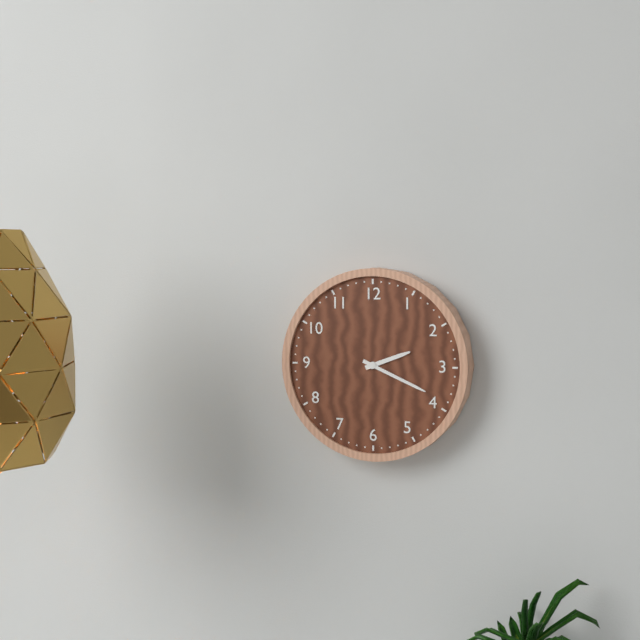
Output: {"hour": 2, "minute": 19}
